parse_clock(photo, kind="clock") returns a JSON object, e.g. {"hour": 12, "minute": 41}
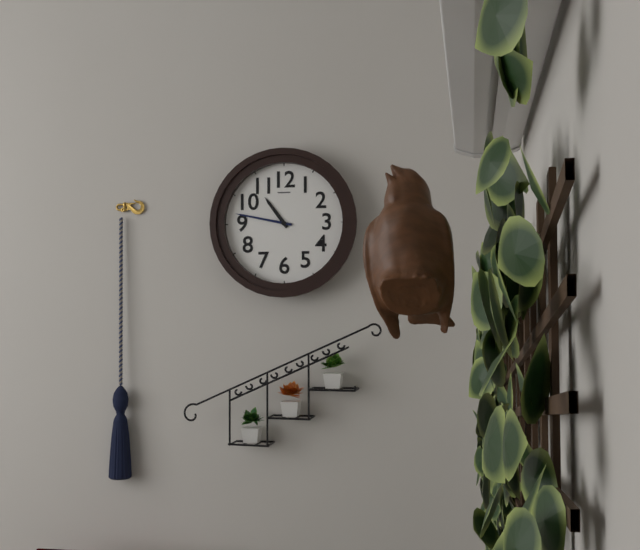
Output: {"hour": 10, "minute": 47}
